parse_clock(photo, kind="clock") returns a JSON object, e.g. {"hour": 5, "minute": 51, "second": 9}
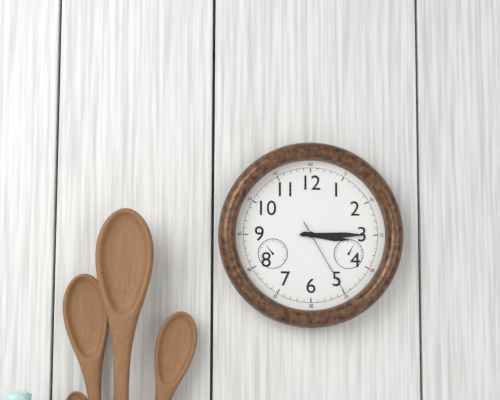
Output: {"hour": 3, "minute": 15, "second": 25}
